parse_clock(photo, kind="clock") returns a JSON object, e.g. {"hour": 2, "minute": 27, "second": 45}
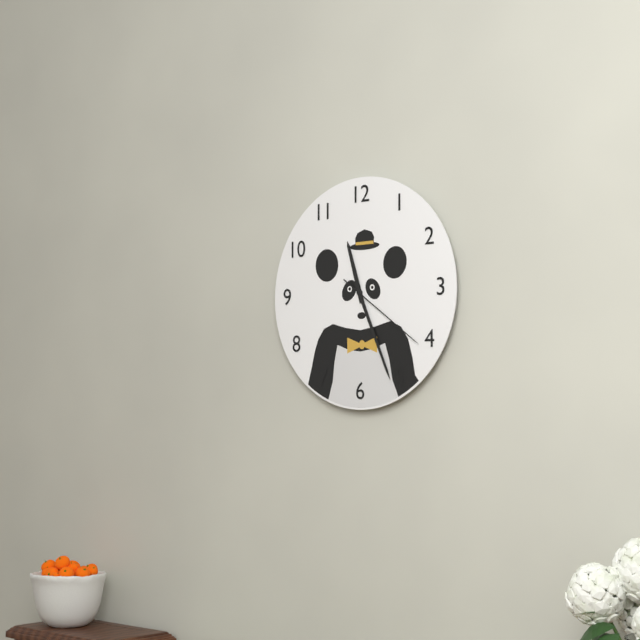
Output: {"hour": 11, "minute": 26, "second": 21}
